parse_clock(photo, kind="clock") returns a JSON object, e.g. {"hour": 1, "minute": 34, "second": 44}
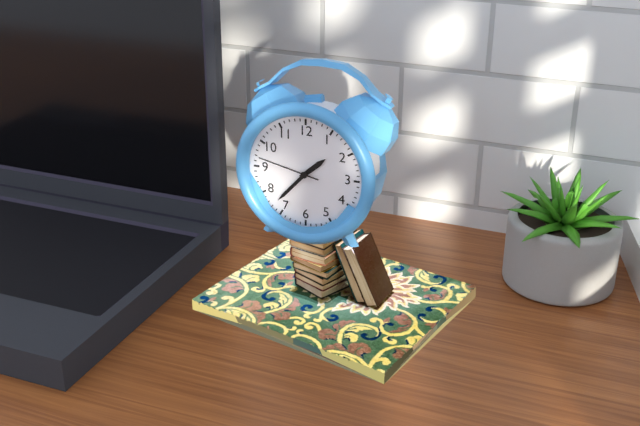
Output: {"hour": 1, "minute": 37, "second": 47}
